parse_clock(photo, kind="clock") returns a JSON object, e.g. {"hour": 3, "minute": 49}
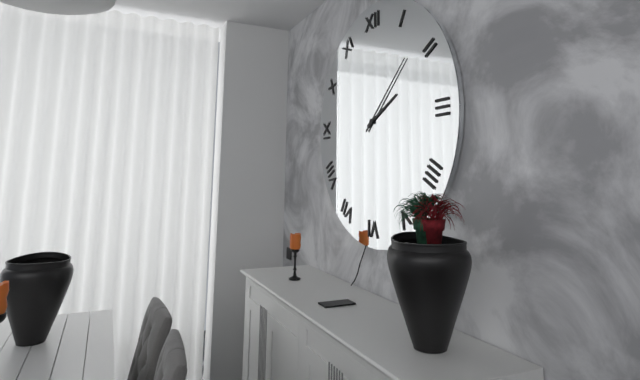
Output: {"hour": 2, "minute": 8}
